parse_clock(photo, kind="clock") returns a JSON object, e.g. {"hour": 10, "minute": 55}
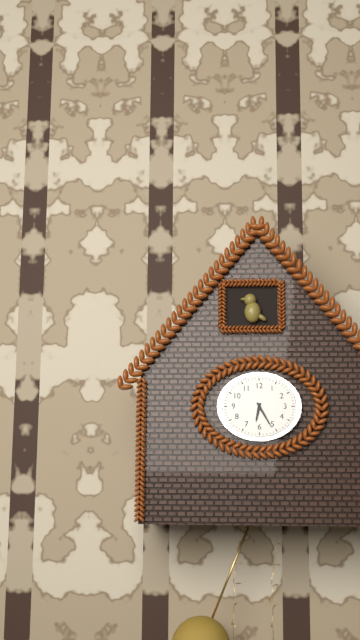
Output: {"hour": 6, "minute": 25}
